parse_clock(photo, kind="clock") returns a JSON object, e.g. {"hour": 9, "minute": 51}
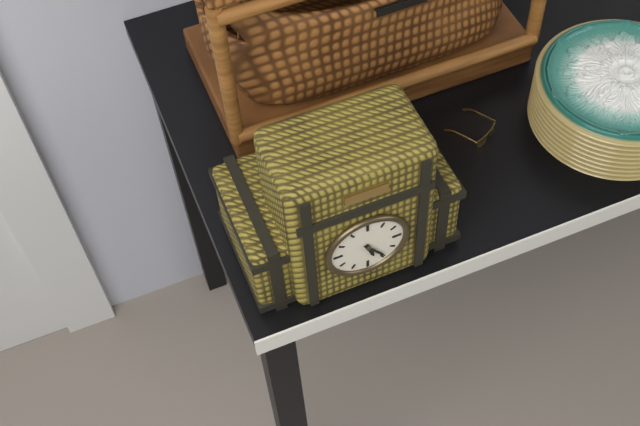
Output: {"hour": 5, "minute": 24}
